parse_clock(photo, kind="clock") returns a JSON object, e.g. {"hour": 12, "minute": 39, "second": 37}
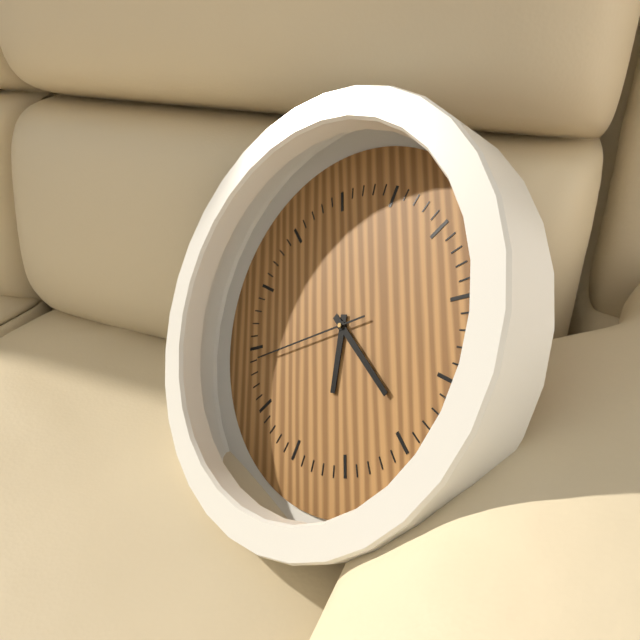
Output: {"hour": 6, "minute": 24, "second": 44}
